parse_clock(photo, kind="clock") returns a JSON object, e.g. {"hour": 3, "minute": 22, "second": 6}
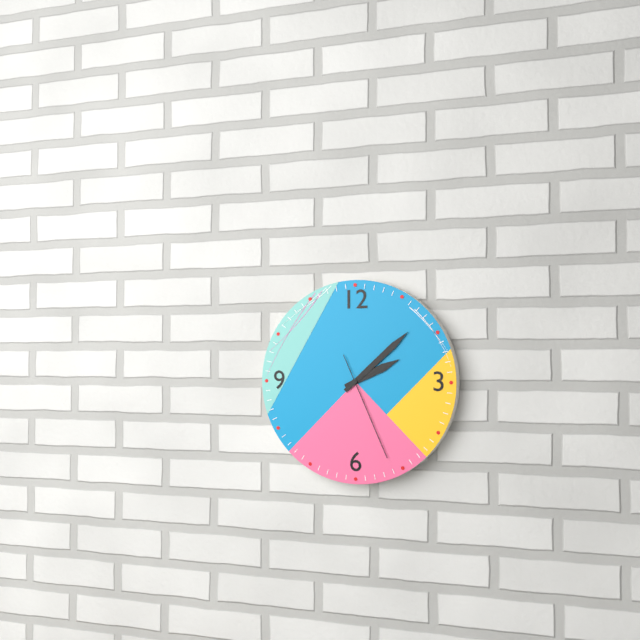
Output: {"hour": 2, "minute": 8, "second": 26}
